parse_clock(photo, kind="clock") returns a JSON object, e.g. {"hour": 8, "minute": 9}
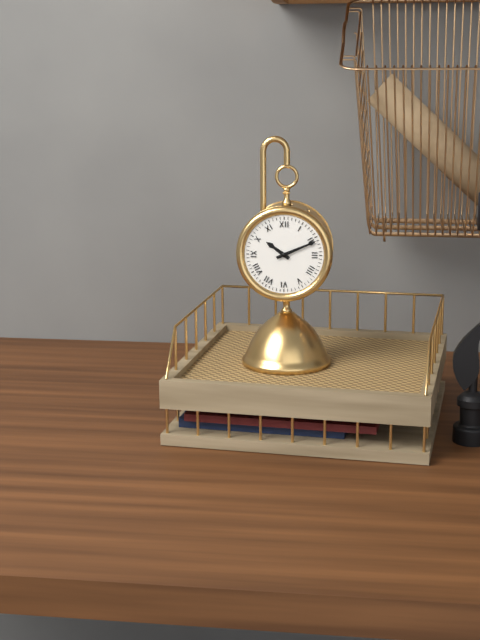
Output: {"hour": 10, "minute": 11}
